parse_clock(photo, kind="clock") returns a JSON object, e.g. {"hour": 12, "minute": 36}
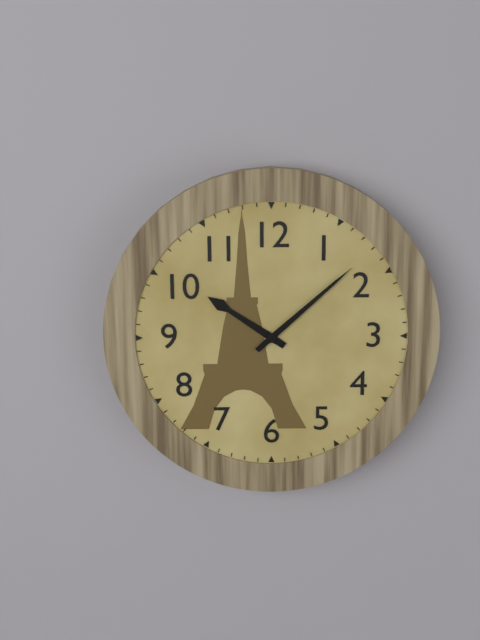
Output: {"hour": 10, "minute": 8}
